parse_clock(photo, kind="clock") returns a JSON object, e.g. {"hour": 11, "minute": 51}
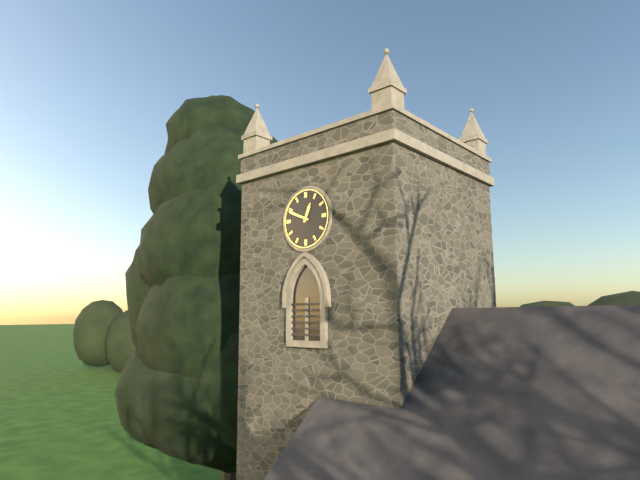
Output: {"hour": 12, "minute": 49}
